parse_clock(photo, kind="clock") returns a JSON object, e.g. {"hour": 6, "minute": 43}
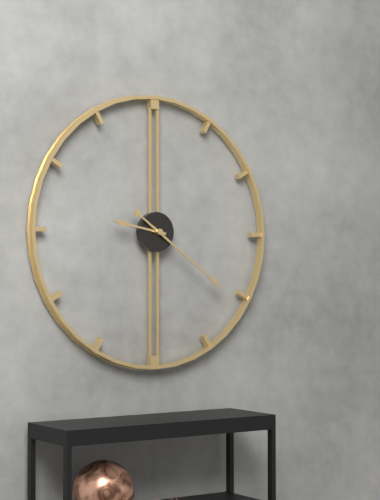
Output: {"hour": 9, "minute": 21}
